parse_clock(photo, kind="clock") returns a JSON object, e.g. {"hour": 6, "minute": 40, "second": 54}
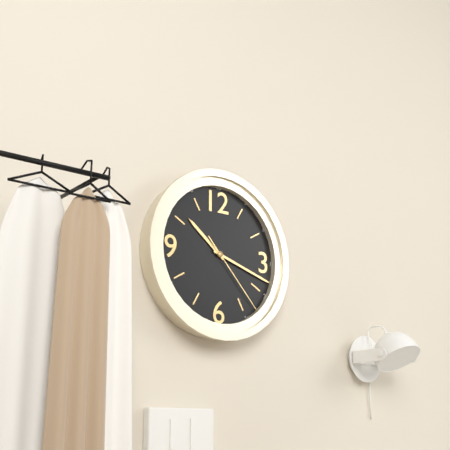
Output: {"hour": 10, "minute": 18, "second": 23}
